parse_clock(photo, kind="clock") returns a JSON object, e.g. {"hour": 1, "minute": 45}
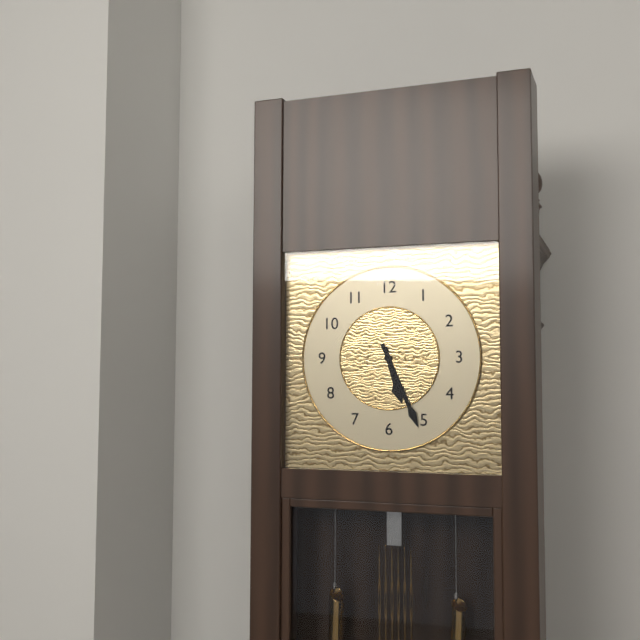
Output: {"hour": 5, "minute": 26}
